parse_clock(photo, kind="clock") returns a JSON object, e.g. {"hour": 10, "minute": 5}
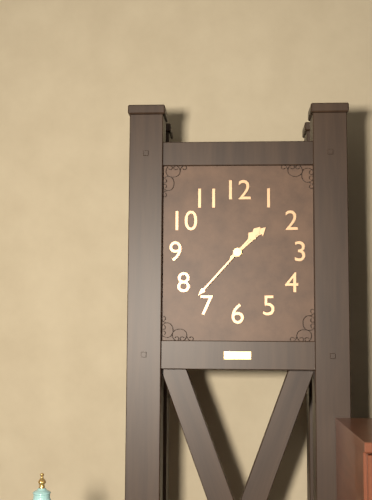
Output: {"hour": 1, "minute": 37}
